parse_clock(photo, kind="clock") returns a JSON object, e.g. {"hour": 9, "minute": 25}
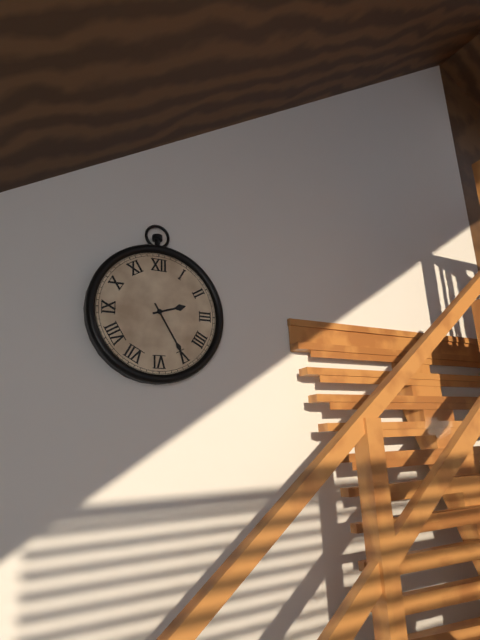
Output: {"hour": 2, "minute": 25}
